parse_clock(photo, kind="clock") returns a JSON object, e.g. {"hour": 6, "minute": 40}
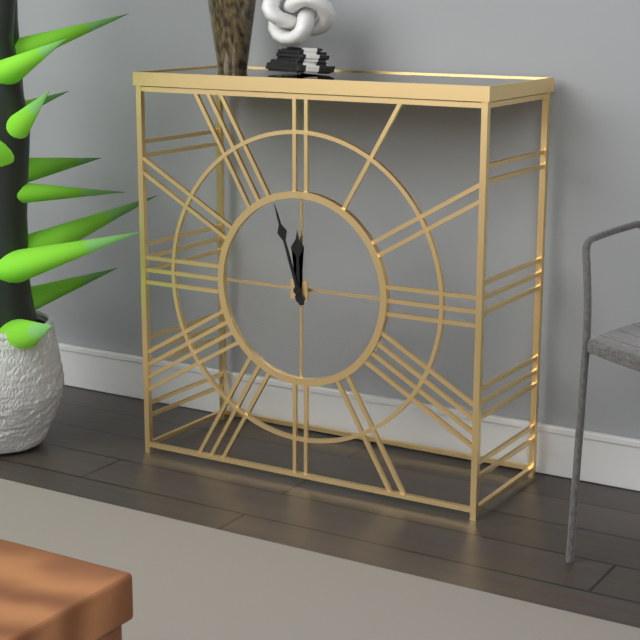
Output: {"hour": 11, "minute": 57}
